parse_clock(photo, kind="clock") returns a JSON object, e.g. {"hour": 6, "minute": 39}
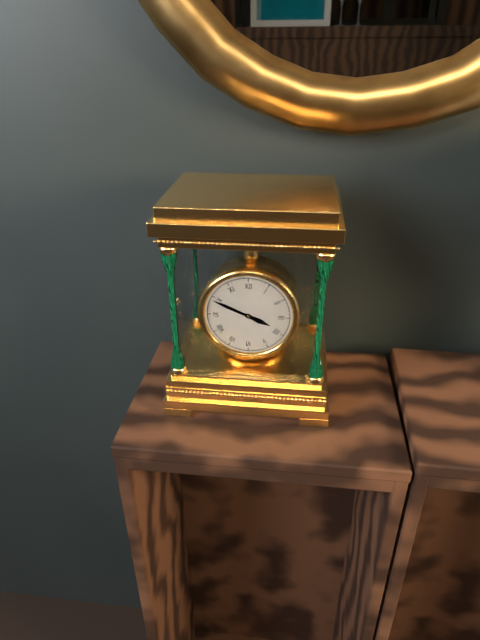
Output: {"hour": 3, "minute": 49}
